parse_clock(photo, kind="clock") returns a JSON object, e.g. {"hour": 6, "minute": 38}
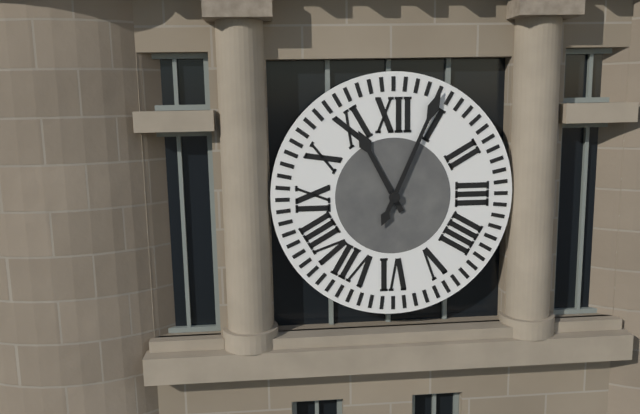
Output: {"hour": 11, "minute": 4}
